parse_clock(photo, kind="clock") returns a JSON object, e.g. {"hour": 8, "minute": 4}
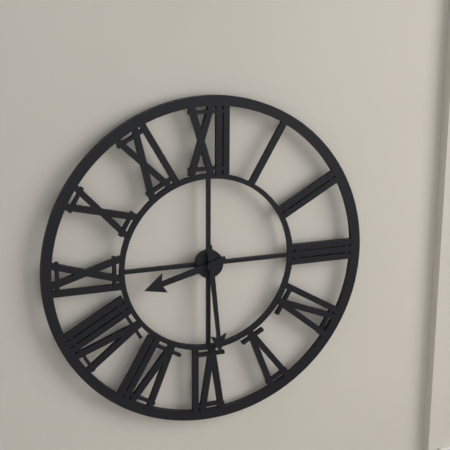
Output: {"hour": 8, "minute": 29}
